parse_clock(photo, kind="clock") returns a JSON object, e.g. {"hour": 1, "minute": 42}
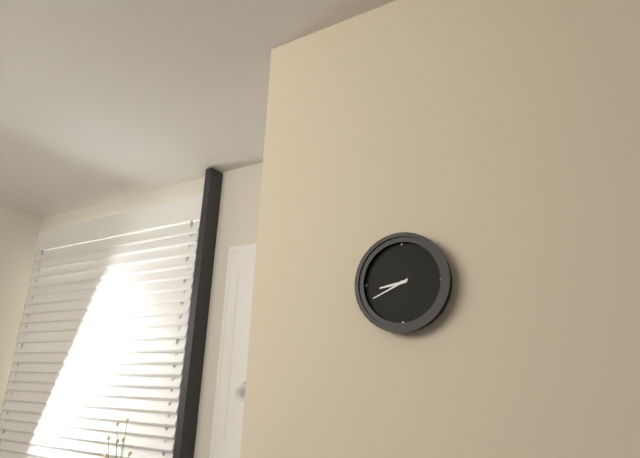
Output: {"hour": 8, "minute": 41}
